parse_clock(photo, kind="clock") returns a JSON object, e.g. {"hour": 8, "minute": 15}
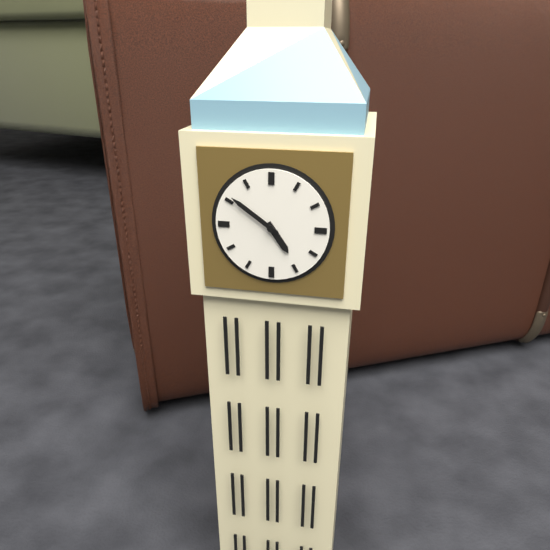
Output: {"hour": 4, "minute": 51}
